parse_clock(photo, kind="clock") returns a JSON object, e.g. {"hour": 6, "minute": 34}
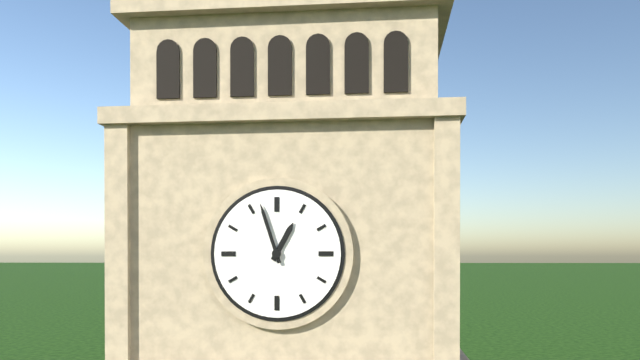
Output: {"hour": 12, "minute": 57}
